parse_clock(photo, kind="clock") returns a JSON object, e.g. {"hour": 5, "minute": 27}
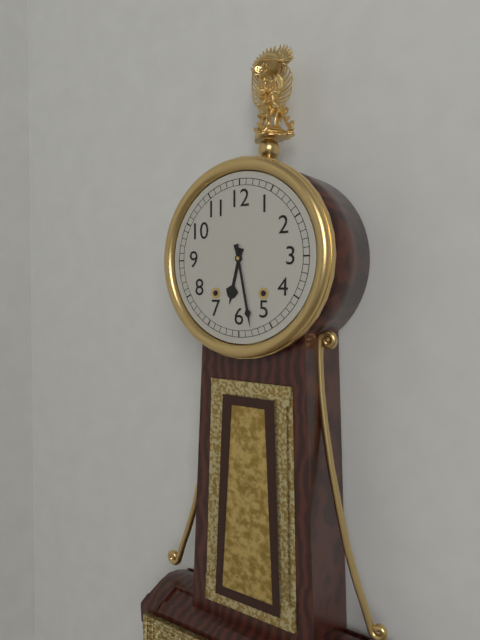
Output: {"hour": 6, "minute": 28}
